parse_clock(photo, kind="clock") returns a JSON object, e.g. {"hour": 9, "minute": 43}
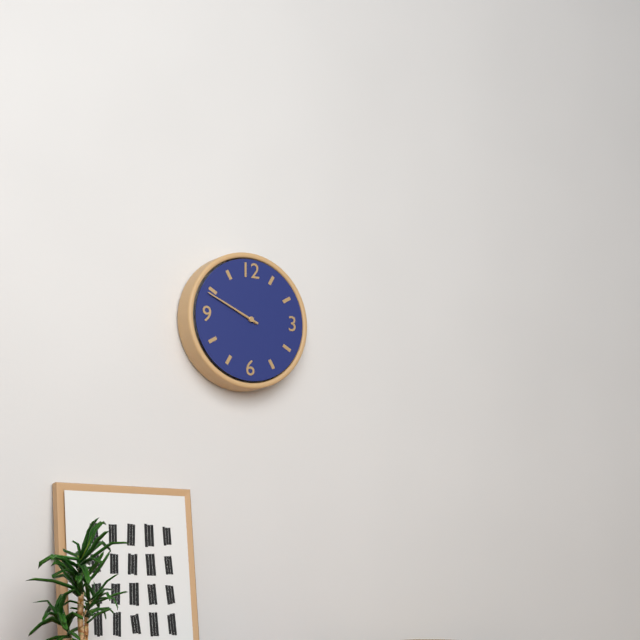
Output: {"hour": 9, "minute": 49}
